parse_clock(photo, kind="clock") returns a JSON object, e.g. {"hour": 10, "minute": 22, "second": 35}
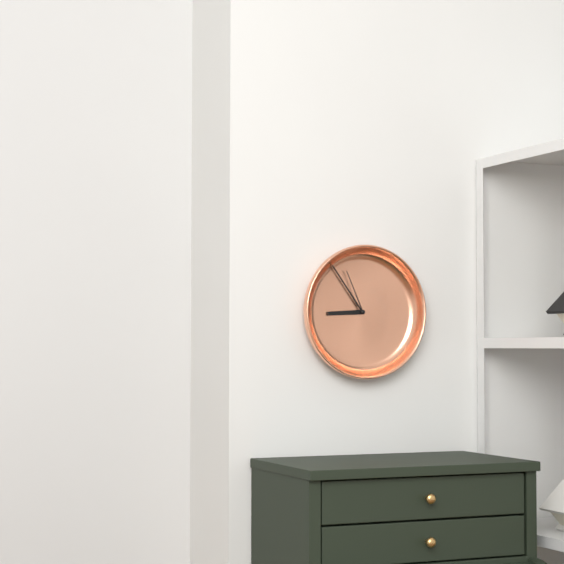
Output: {"hour": 8, "minute": 54, "second": 56}
